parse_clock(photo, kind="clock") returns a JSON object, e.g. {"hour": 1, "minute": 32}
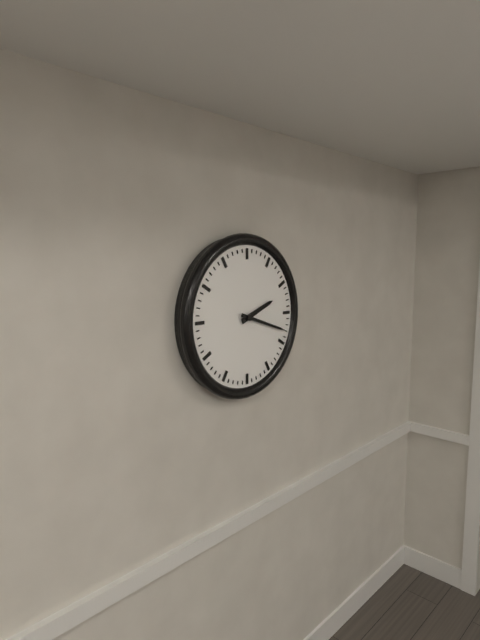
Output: {"hour": 2, "minute": 18}
